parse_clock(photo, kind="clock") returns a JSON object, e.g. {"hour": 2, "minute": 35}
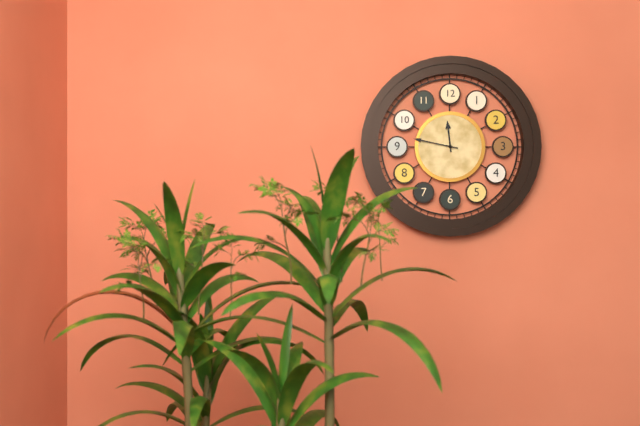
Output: {"hour": 11, "minute": 47}
